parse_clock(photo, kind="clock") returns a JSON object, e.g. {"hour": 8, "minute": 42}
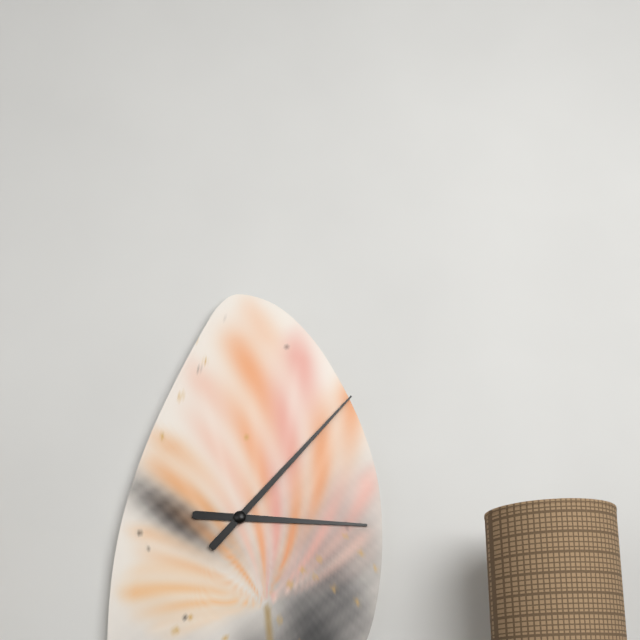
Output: {"hour": 3, "minute": 7}
